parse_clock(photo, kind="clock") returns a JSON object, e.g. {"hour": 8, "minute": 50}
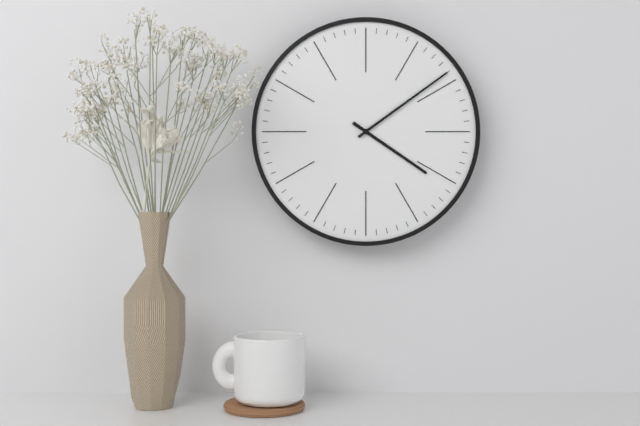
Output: {"hour": 4, "minute": 9}
